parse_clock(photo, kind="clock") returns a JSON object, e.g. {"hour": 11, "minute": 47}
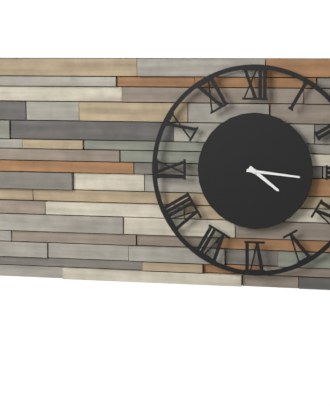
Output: {"hour": 4, "minute": 16}
